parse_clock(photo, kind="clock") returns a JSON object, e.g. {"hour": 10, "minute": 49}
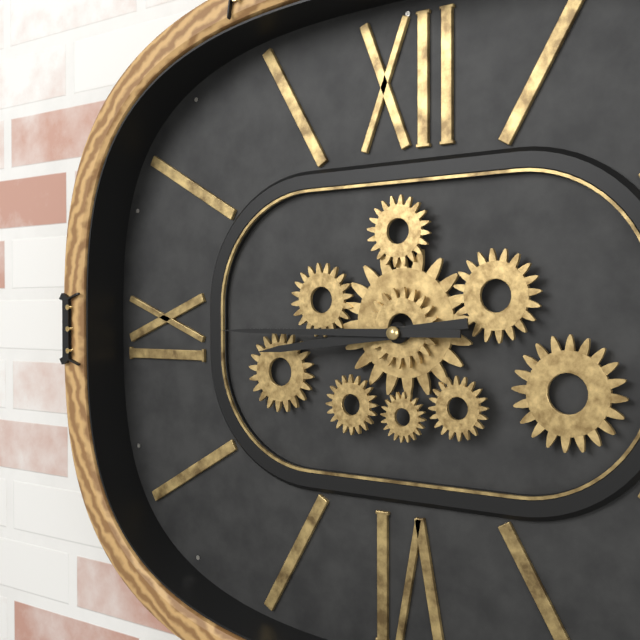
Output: {"hour": 8, "minute": 45}
